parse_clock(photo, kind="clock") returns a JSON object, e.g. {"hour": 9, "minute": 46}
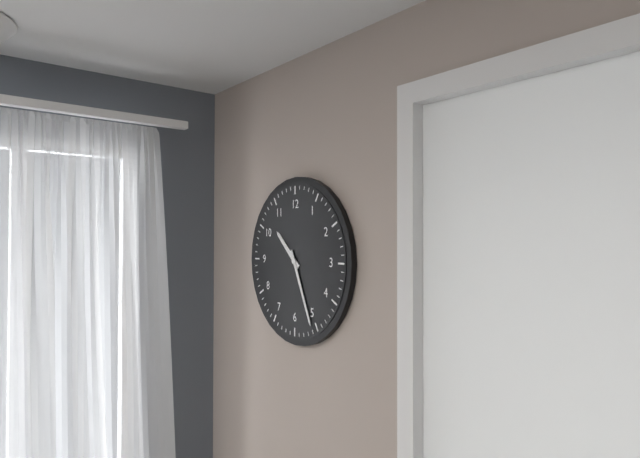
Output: {"hour": 10, "minute": 26}
